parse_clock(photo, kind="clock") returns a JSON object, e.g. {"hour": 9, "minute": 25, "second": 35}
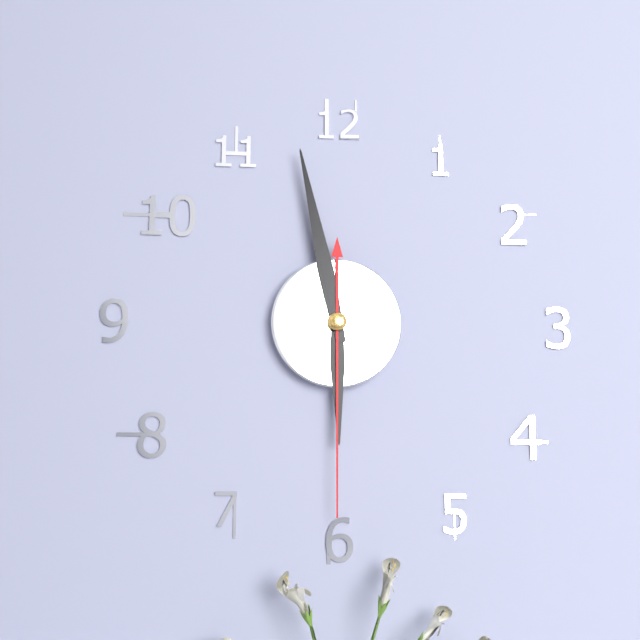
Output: {"hour": 5, "minute": 58, "second": 30}
